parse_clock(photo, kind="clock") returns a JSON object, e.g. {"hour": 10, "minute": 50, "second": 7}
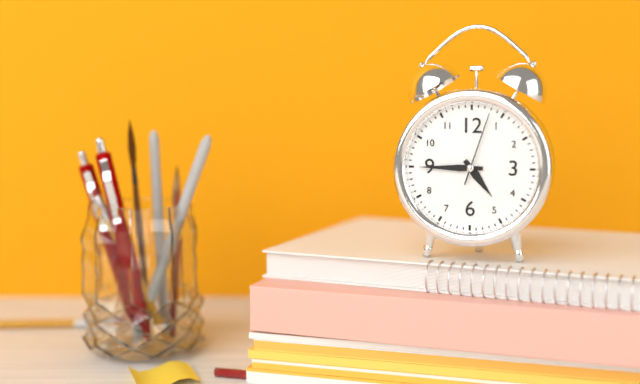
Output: {"hour": 4, "minute": 45, "second": 3}
